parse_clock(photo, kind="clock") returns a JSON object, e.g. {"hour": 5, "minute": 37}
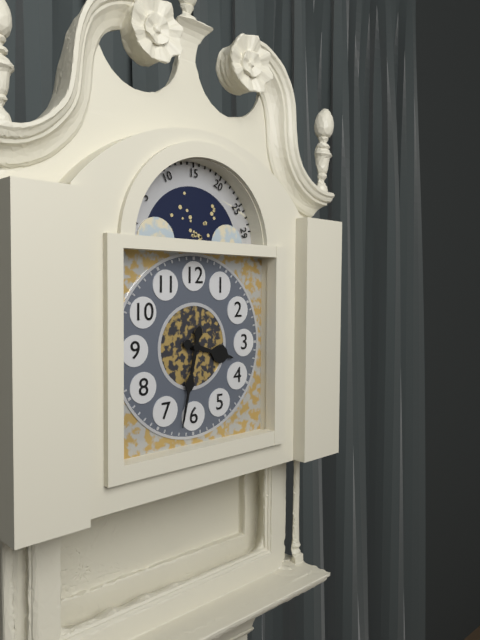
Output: {"hour": 3, "minute": 32}
